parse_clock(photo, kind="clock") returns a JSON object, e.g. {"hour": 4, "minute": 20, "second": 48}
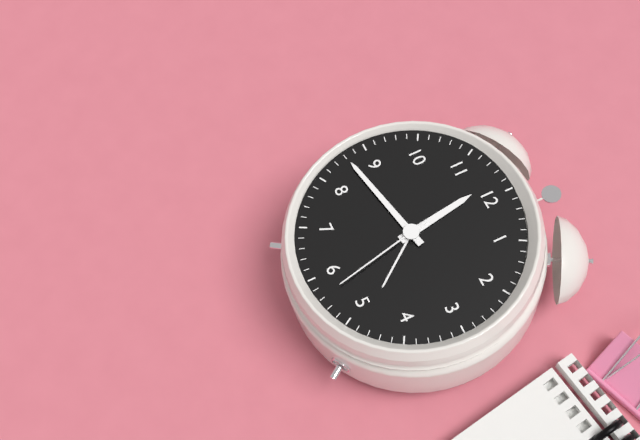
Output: {"hour": 11, "minute": 43, "second": 28}
